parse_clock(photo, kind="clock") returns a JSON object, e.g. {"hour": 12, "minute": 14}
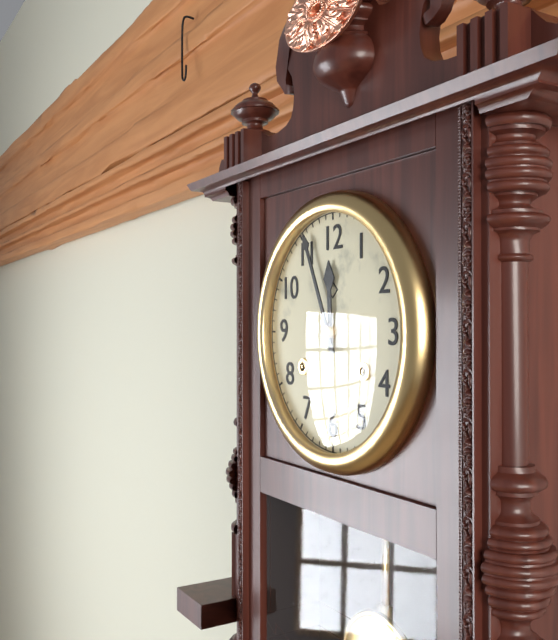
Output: {"hour": 11, "minute": 56}
